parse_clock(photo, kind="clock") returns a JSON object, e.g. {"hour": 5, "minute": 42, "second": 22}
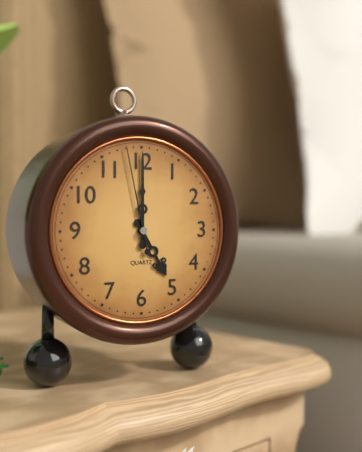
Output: {"hour": 5, "minute": 0, "second": 58}
